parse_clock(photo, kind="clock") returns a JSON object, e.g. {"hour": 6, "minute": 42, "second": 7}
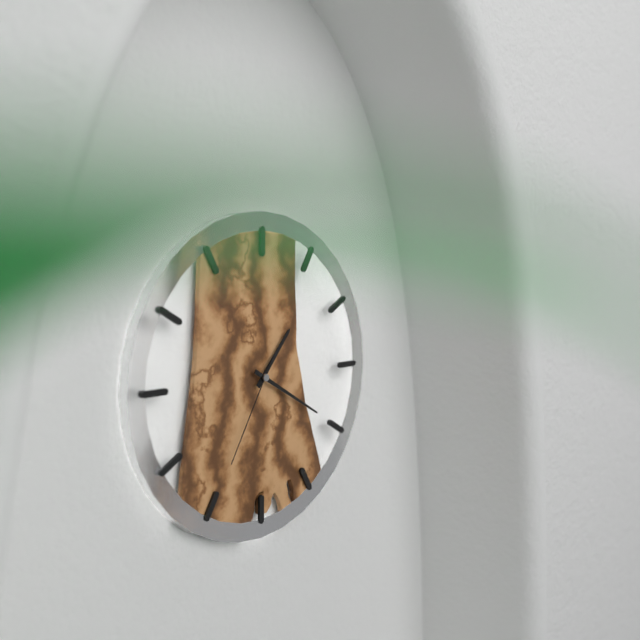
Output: {"hour": 1, "minute": 20, "second": 35}
